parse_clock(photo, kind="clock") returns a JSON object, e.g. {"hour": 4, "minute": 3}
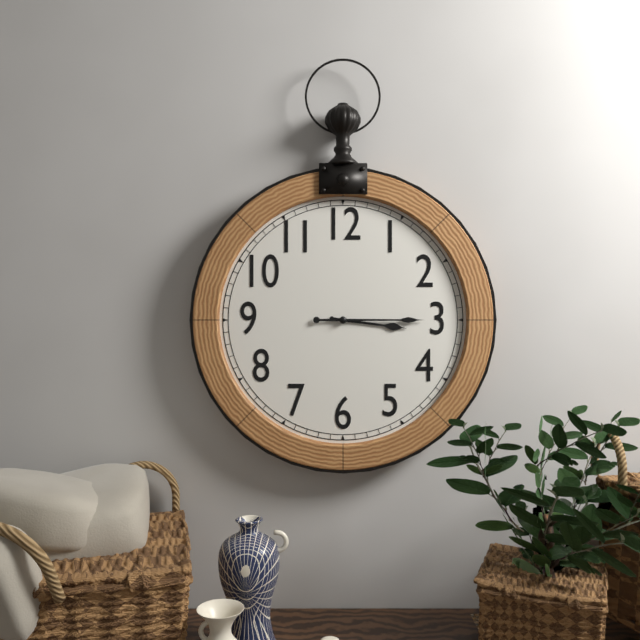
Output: {"hour": 3, "minute": 15}
